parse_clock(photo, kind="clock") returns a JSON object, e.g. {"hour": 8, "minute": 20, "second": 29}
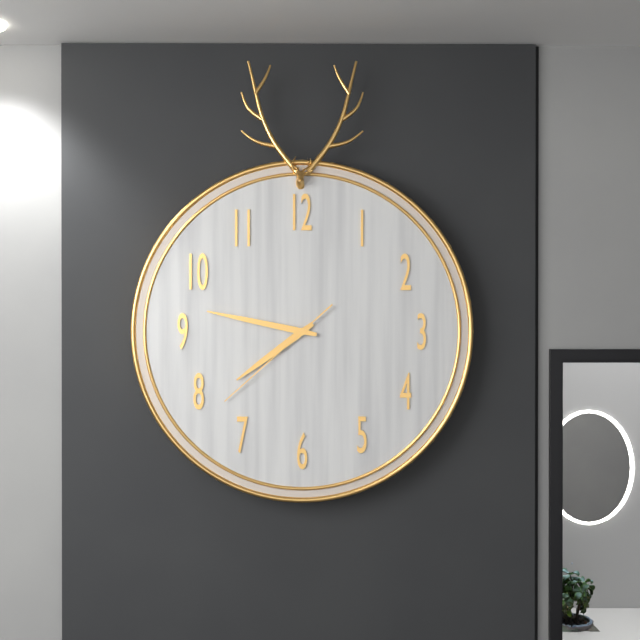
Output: {"hour": 7, "minute": 47, "second": 38}
